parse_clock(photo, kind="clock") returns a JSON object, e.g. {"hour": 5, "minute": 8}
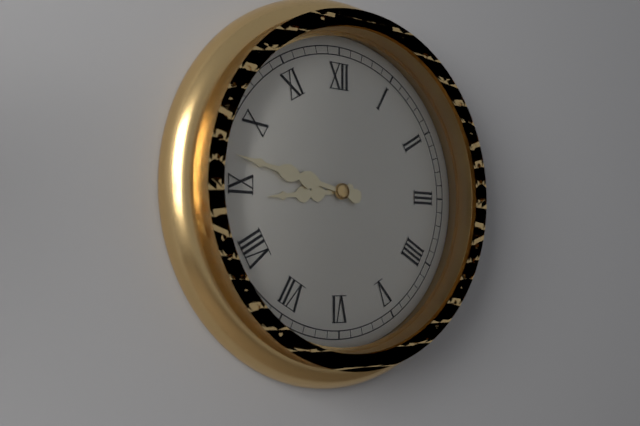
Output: {"hour": 8, "minute": 47}
